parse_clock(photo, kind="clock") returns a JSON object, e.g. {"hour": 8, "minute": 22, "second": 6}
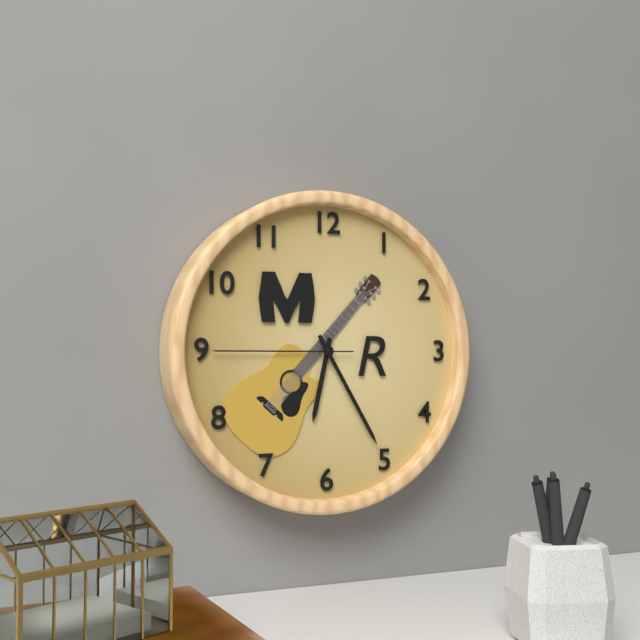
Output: {"hour": 6, "minute": 25, "second": 45}
